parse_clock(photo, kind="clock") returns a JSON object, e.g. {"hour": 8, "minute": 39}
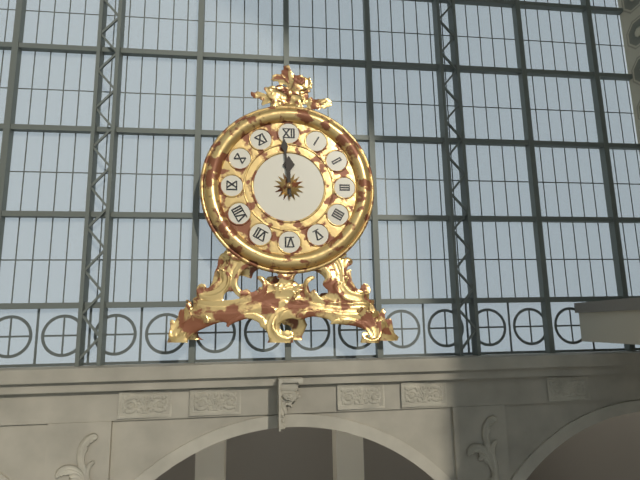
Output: {"hour": 11, "minute": 59}
